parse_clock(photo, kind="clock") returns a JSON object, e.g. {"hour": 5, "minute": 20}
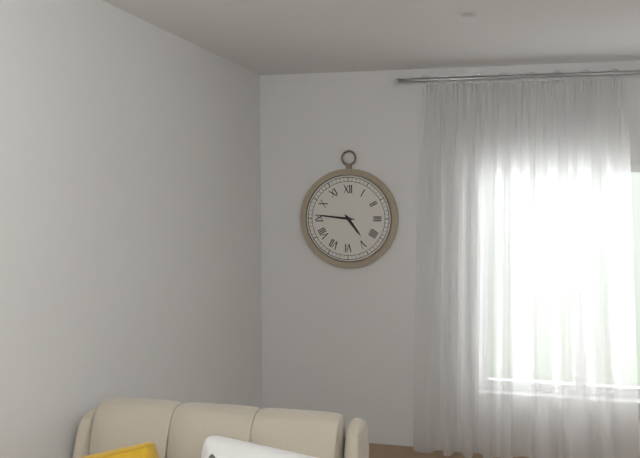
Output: {"hour": 4, "minute": 46}
